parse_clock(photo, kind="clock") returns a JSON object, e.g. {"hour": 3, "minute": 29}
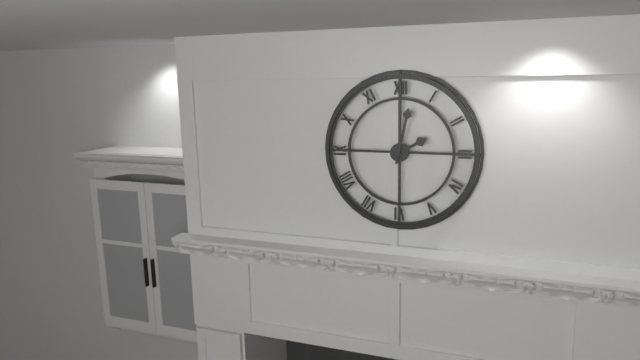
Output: {"hour": 2, "minute": 2}
